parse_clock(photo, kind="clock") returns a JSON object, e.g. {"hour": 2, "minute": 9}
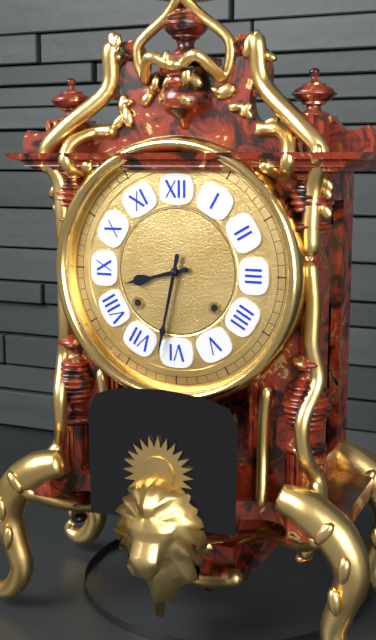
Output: {"hour": 8, "minute": 32}
